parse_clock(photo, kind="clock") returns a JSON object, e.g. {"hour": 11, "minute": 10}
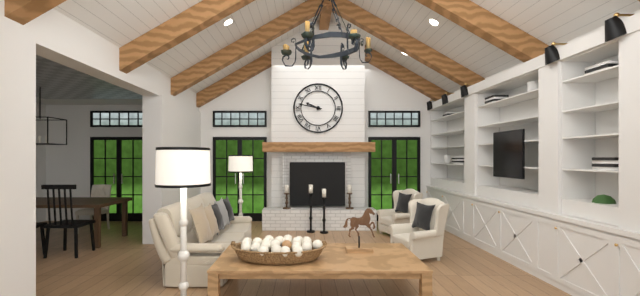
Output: {"hour": 9, "minute": 47}
